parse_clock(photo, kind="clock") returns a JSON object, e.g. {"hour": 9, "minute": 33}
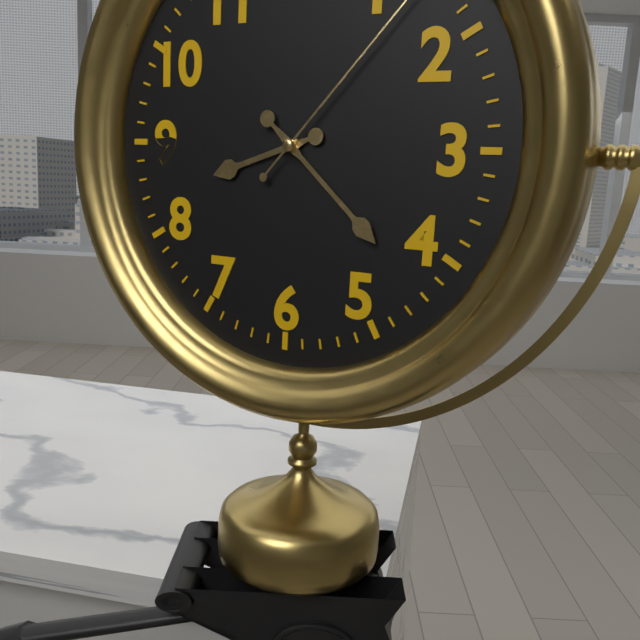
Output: {"hour": 8, "minute": 22}
